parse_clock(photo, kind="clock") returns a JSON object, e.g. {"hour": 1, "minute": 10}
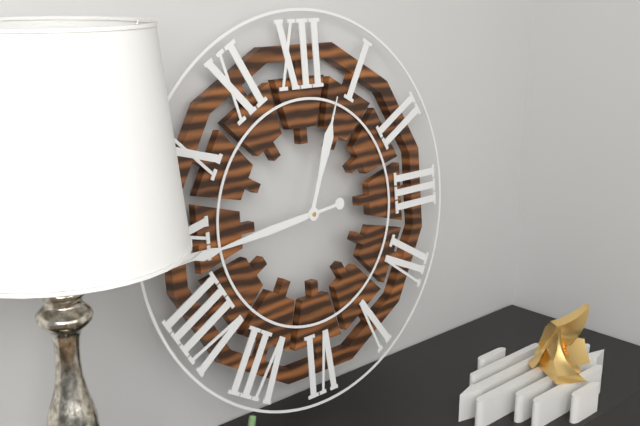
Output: {"hour": 12, "minute": 44}
